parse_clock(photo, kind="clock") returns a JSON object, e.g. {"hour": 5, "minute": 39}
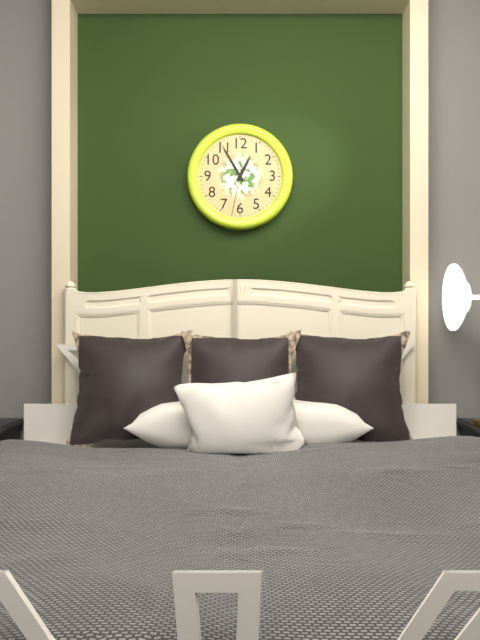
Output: {"hour": 12, "minute": 55}
